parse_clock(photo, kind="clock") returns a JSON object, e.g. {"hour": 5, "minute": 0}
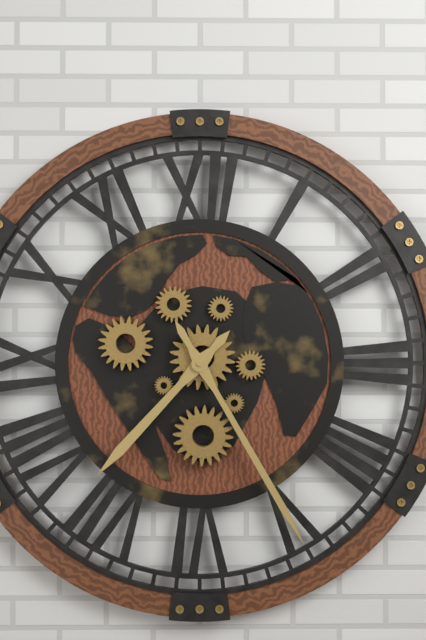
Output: {"hour": 7, "minute": 25}
